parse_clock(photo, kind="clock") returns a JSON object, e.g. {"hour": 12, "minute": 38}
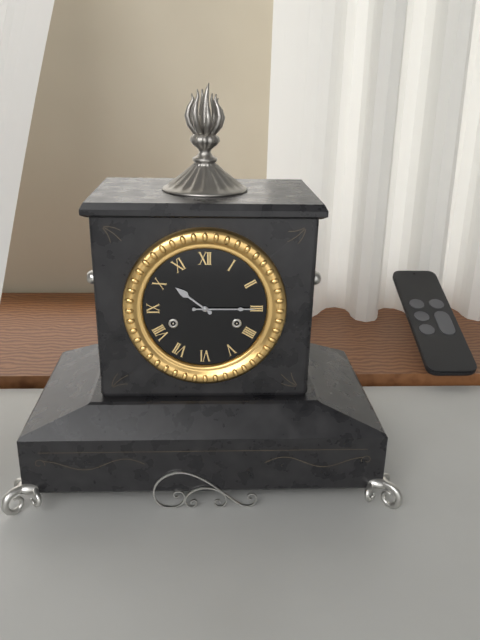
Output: {"hour": 10, "minute": 15}
